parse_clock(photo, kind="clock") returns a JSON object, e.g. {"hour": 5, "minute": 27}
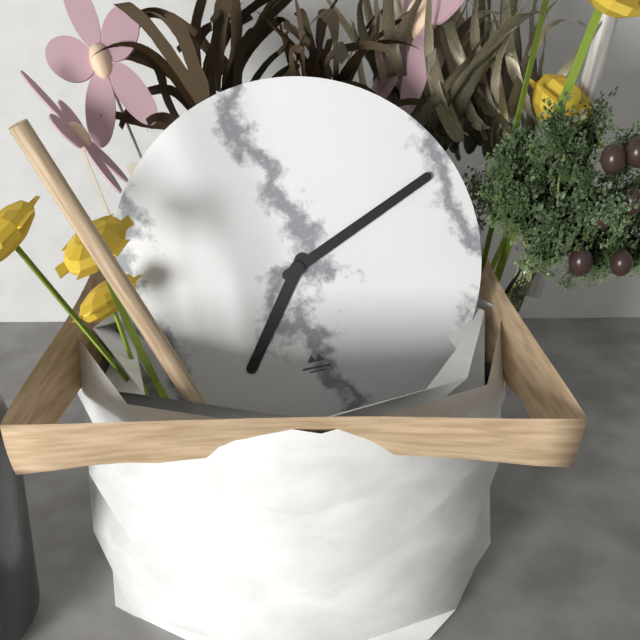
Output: {"hour": 7, "minute": 11}
